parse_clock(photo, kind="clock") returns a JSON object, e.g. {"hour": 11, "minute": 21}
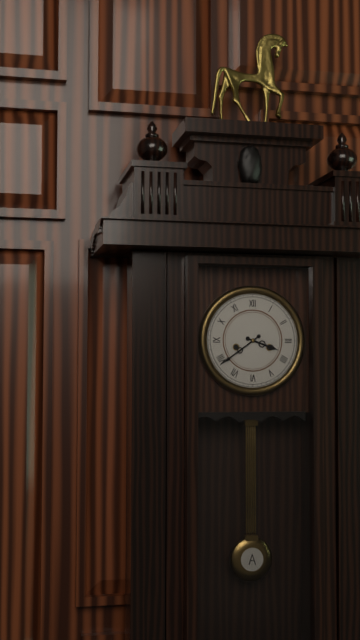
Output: {"hour": 3, "minute": 39}
